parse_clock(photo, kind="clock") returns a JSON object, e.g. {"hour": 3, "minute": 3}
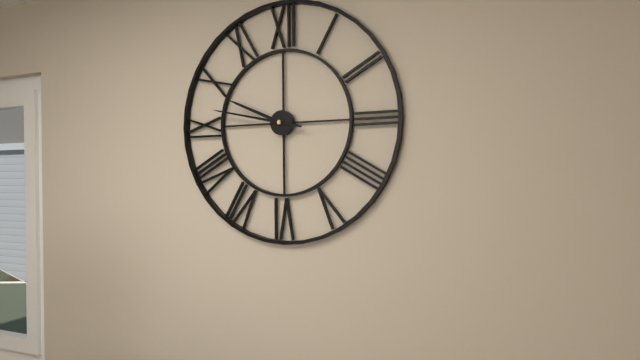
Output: {"hour": 9, "minute": 47}
